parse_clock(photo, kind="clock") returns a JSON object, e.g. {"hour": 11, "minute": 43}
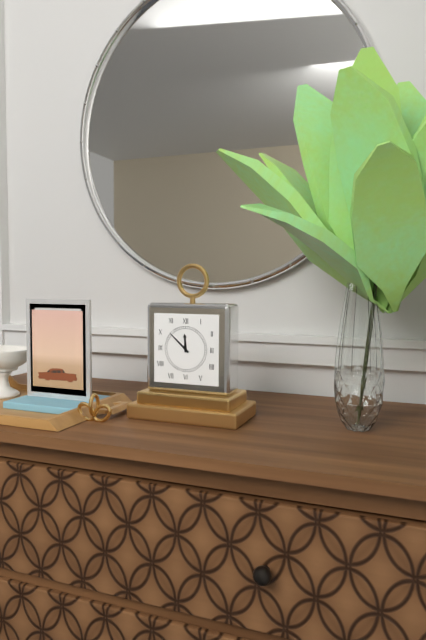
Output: {"hour": 11, "minute": 52}
